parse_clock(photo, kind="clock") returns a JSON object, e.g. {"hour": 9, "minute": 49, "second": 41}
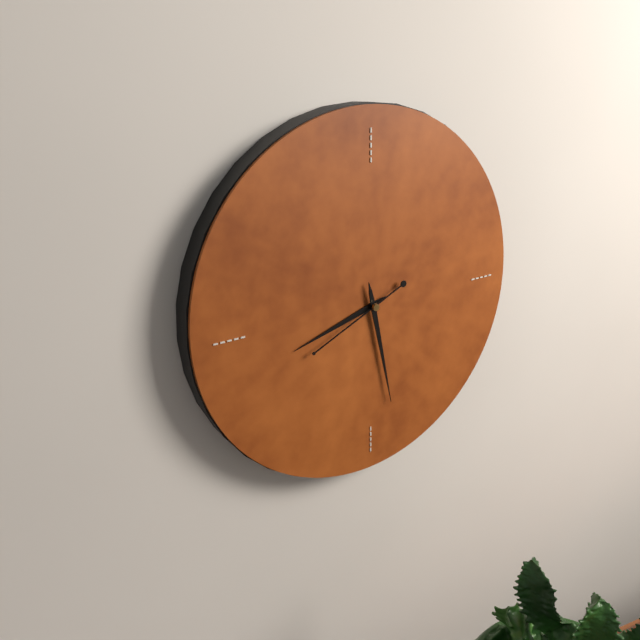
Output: {"hour": 8, "minute": 28, "second": 41}
